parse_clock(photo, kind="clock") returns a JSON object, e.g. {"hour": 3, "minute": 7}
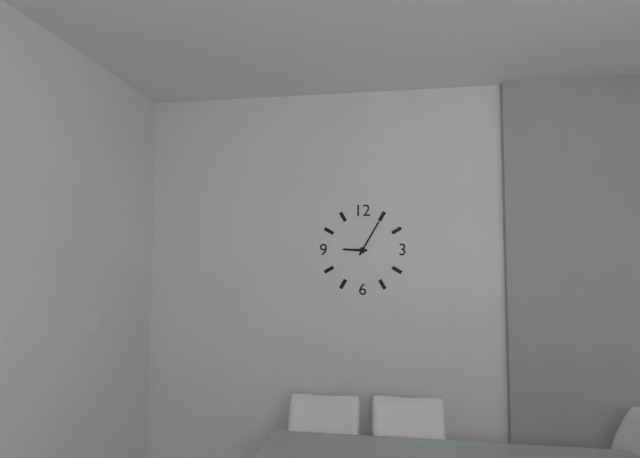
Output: {"hour": 9, "minute": 5}
